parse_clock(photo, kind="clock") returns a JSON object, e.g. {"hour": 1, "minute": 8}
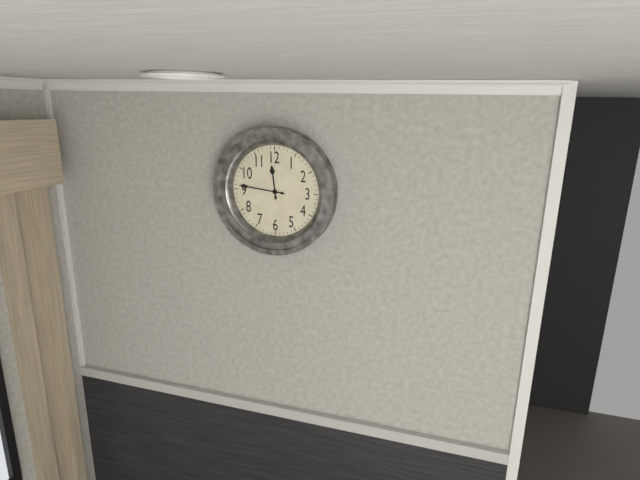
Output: {"hour": 11, "minute": 46}
